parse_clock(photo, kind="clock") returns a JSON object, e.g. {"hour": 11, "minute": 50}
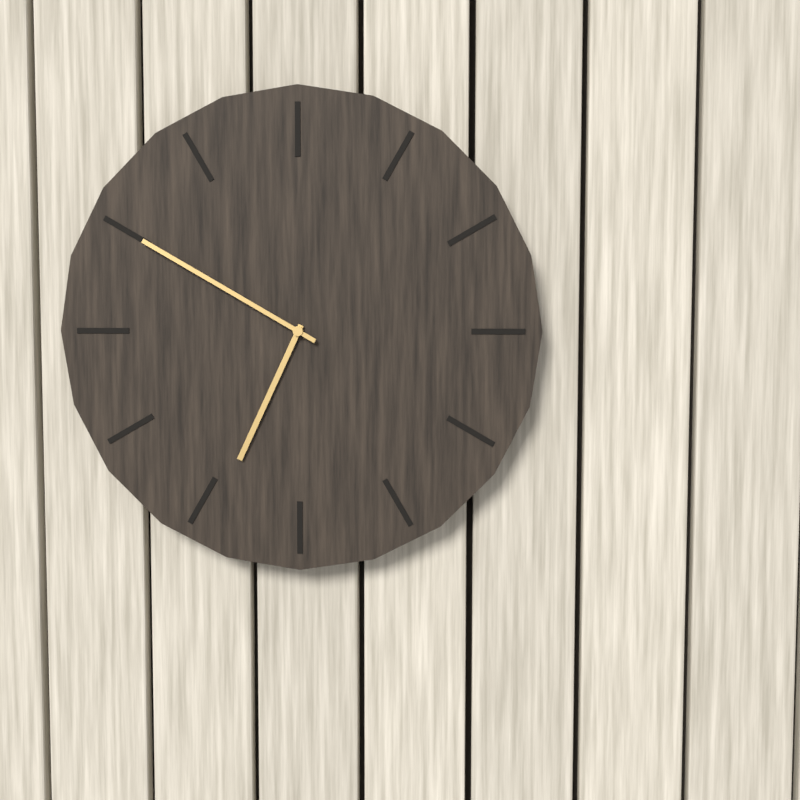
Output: {"hour": 6, "minute": 50}
